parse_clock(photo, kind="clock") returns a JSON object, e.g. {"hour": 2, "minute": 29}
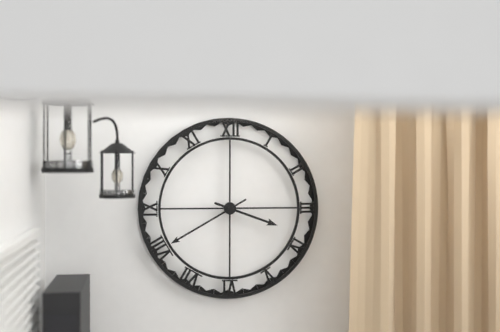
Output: {"hour": 3, "minute": 40}
